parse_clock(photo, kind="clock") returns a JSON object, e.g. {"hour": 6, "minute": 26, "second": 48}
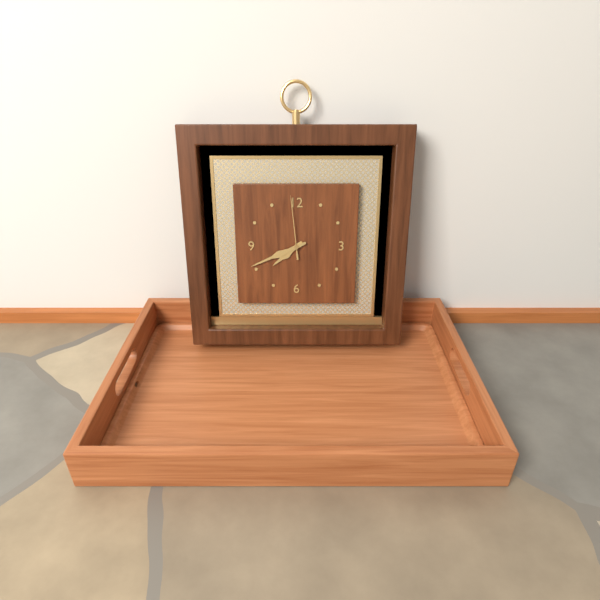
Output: {"hour": 7, "minute": 41, "second": 59}
